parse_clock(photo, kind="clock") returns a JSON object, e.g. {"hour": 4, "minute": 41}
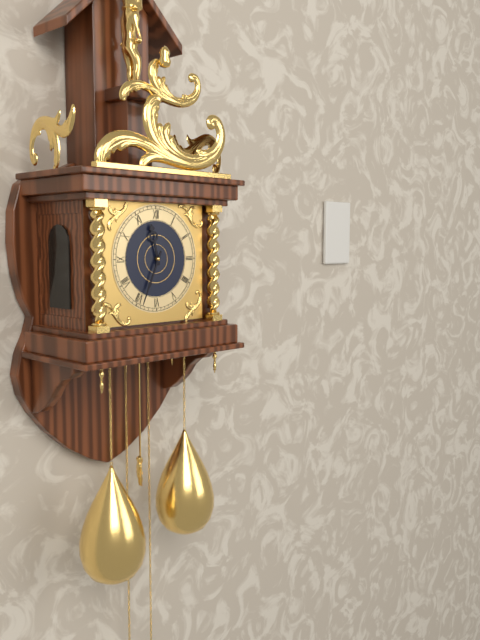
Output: {"hour": 11, "minute": 34}
